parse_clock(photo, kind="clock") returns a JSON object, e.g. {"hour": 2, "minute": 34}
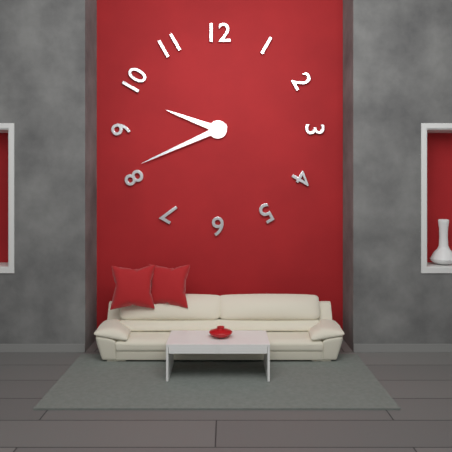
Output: {"hour": 9, "minute": 41}
